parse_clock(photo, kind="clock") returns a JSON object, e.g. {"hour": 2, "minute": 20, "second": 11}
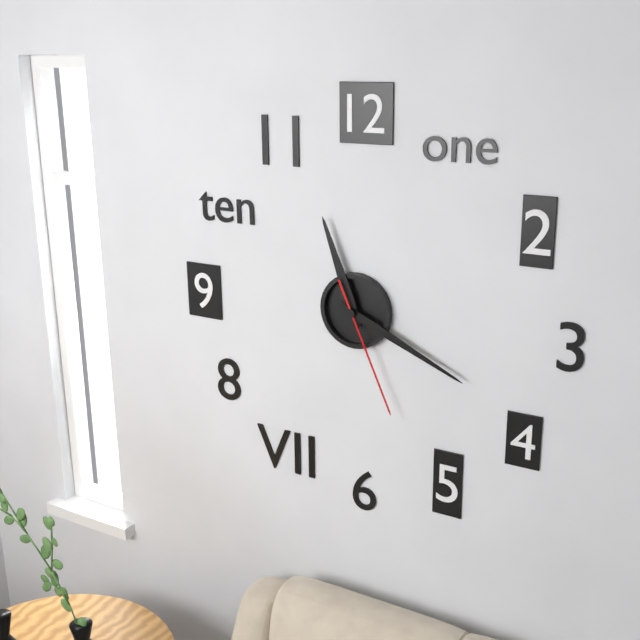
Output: {"hour": 11, "minute": 19, "second": 26}
